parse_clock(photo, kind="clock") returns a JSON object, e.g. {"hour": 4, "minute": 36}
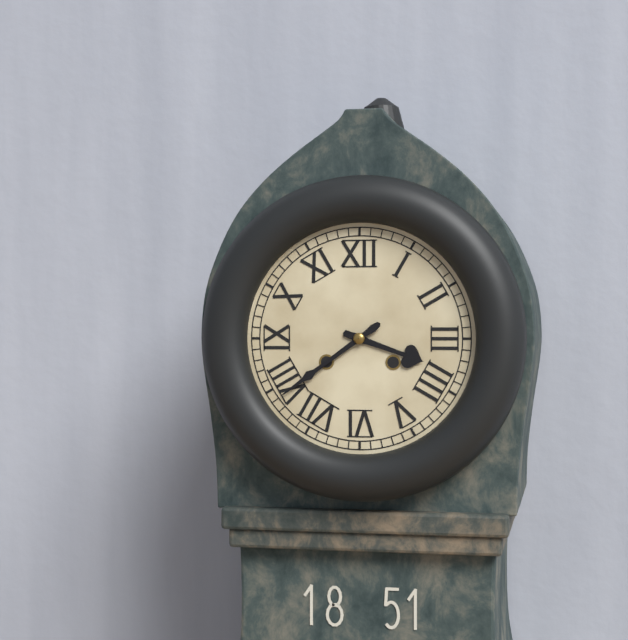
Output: {"hour": 3, "minute": 39}
